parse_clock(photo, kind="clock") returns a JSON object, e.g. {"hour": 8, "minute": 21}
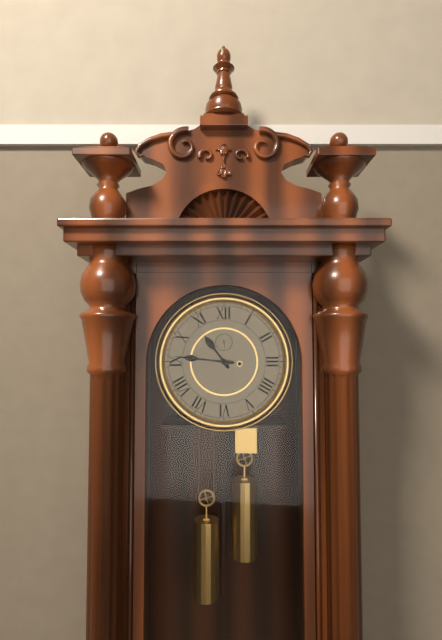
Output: {"hour": 10, "minute": 46}
